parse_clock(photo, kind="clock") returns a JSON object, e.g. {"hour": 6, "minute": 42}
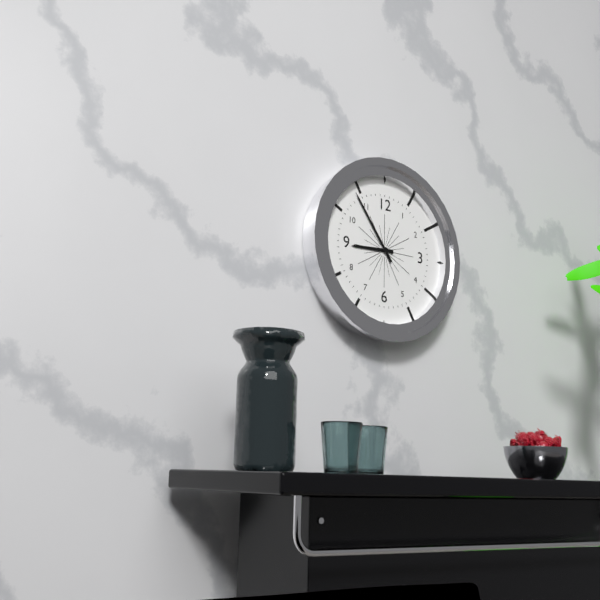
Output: {"hour": 8, "minute": 54}
